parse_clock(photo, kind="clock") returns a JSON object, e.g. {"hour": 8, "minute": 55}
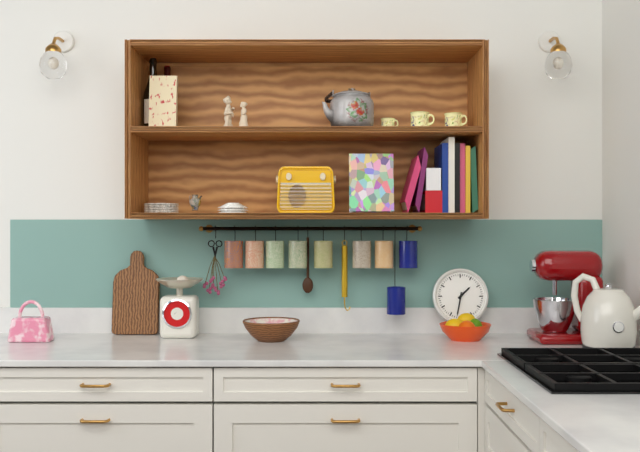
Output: {"hour": 1, "minute": 32}
